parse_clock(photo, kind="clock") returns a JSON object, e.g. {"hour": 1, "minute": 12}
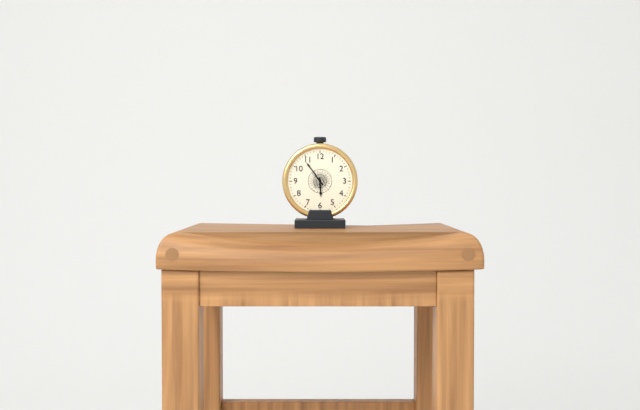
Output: {"hour": 5, "minute": 54}
